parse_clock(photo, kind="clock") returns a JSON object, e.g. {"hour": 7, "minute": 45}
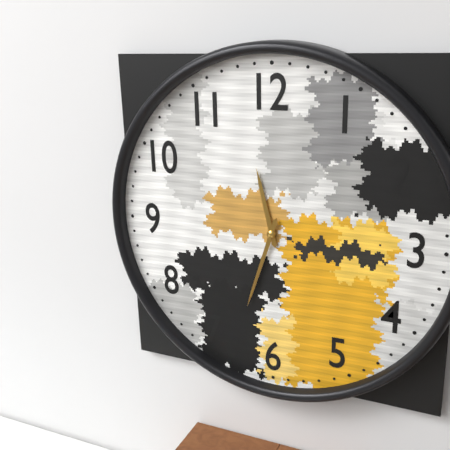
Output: {"hour": 11, "minute": 33}
